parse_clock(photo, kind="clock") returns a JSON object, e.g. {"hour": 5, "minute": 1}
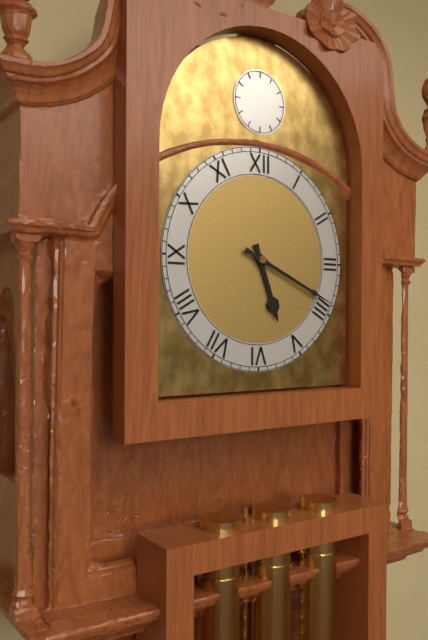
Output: {"hour": 5, "minute": 19}
